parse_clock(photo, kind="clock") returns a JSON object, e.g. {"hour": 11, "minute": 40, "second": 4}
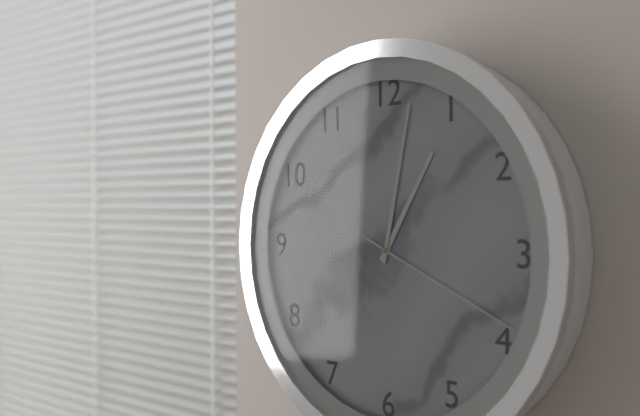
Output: {"hour": 1, "minute": 2, "second": 19}
